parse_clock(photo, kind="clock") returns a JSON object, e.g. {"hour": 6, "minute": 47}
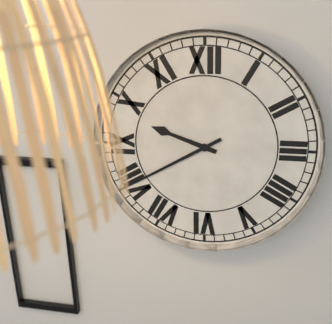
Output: {"hour": 9, "minute": 40}
